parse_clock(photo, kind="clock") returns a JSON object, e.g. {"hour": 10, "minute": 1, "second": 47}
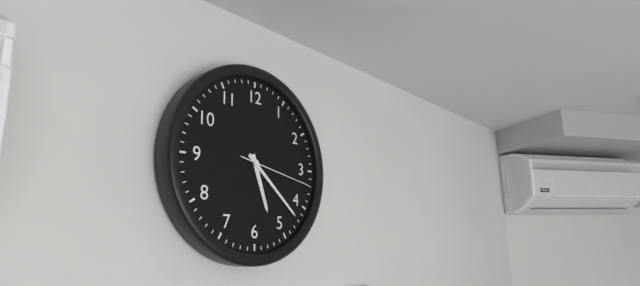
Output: {"hour": 5, "minute": 22, "second": 17}
